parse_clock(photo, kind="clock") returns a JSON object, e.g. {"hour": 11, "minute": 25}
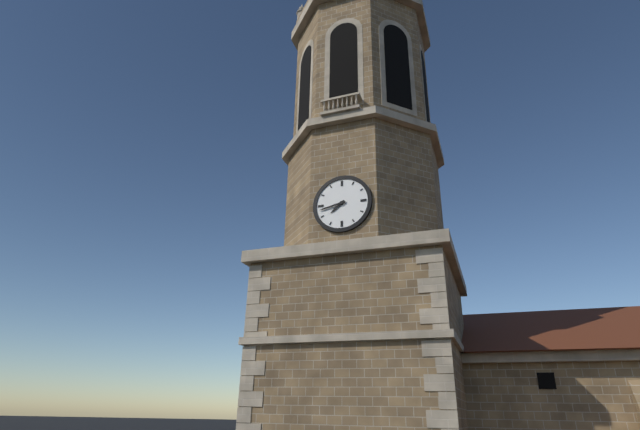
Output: {"hour": 7, "minute": 43}
